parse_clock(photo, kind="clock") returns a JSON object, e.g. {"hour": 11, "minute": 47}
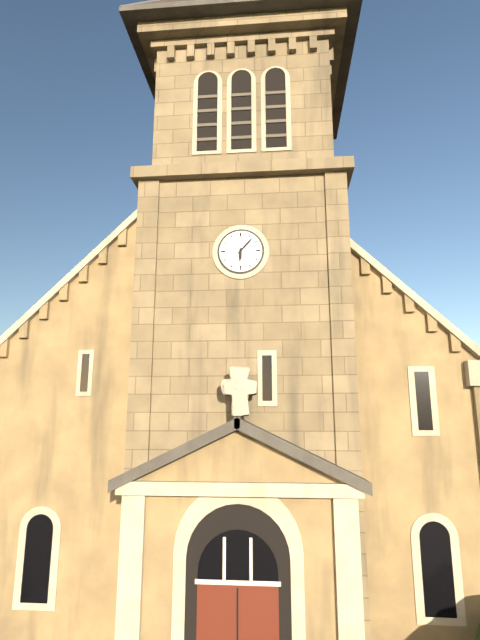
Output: {"hour": 6, "minute": 7}
